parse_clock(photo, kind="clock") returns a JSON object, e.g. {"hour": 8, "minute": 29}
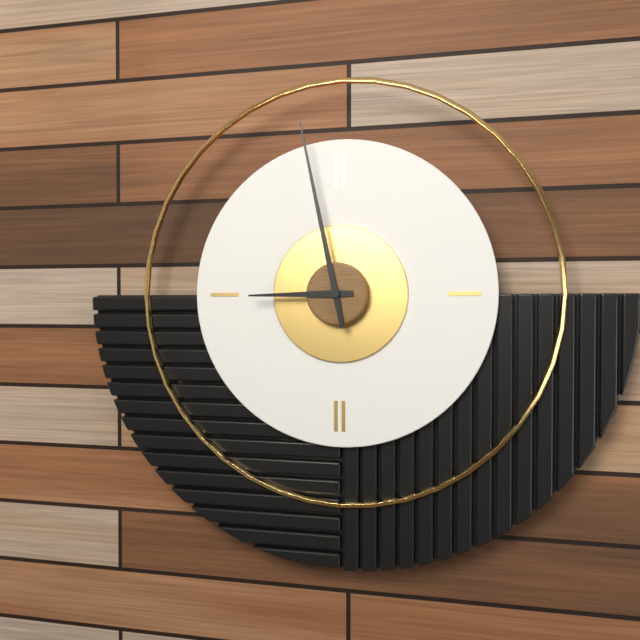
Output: {"hour": 8, "minute": 58}
